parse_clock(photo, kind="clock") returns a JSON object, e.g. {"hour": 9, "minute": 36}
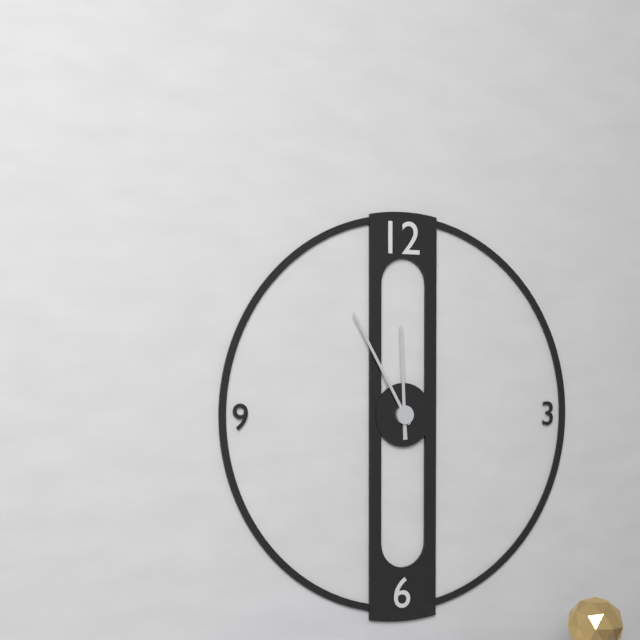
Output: {"hour": 11, "minute": 55}
